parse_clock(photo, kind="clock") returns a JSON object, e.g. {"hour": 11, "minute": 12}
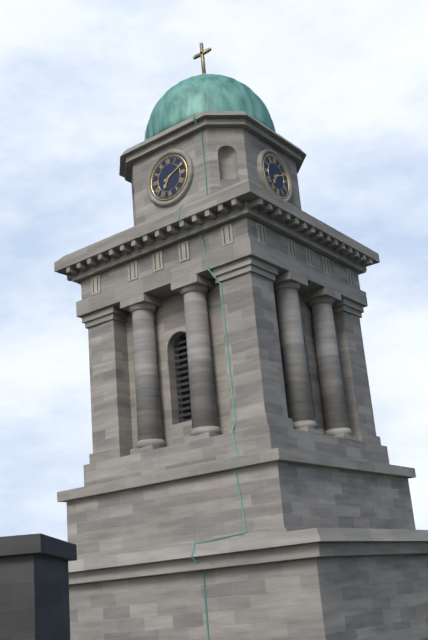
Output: {"hour": 7, "minute": 11}
